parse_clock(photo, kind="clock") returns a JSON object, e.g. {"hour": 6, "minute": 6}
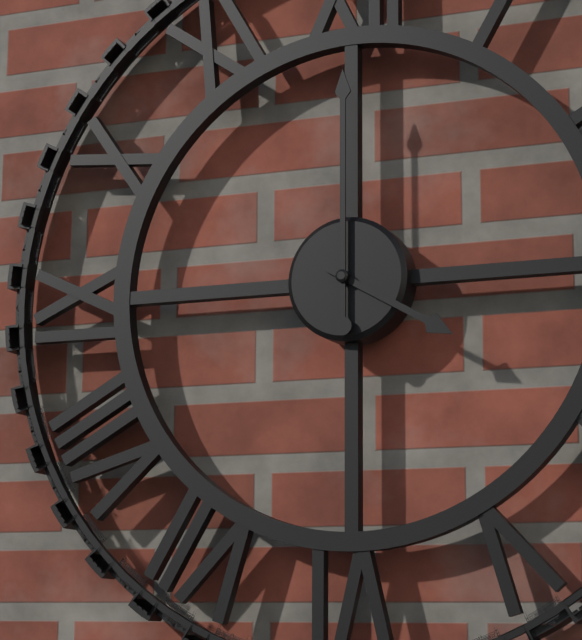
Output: {"hour": 4, "minute": 0}
